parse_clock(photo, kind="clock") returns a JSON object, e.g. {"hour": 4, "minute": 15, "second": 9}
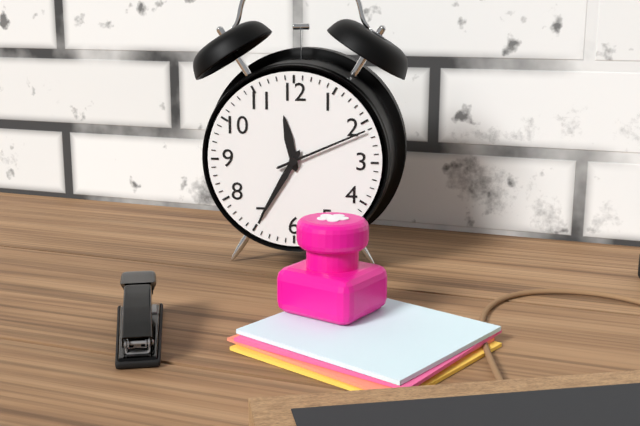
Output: {"hour": 11, "minute": 35, "second": 11}
